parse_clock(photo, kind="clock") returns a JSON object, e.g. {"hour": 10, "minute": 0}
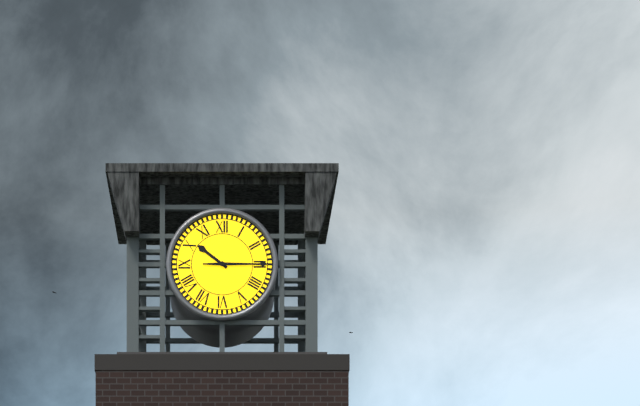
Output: {"hour": 10, "minute": 15}
